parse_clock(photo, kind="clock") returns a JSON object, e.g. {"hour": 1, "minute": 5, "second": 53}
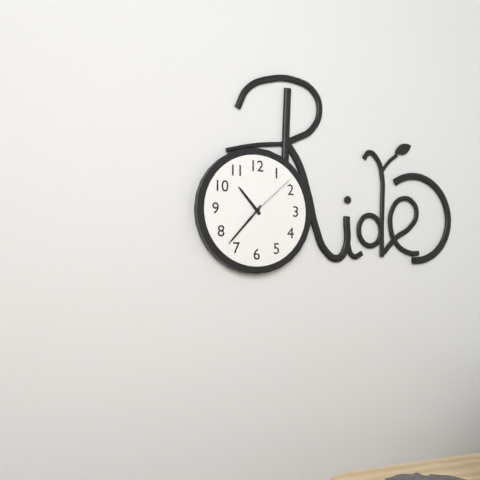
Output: {"hour": 10, "minute": 37, "second": 8}
